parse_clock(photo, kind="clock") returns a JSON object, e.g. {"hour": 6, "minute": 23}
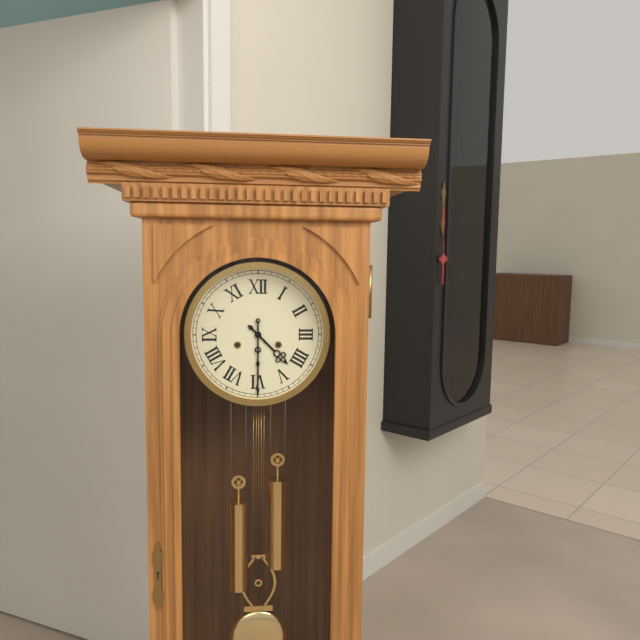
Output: {"hour": 4, "minute": 30}
